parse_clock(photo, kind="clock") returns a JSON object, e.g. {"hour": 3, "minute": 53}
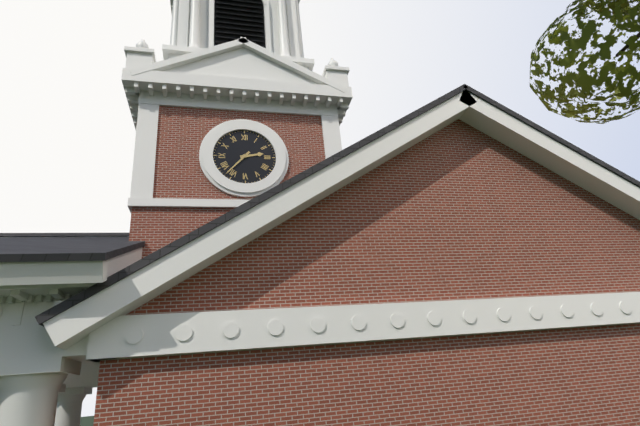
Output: {"hour": 2, "minute": 37}
